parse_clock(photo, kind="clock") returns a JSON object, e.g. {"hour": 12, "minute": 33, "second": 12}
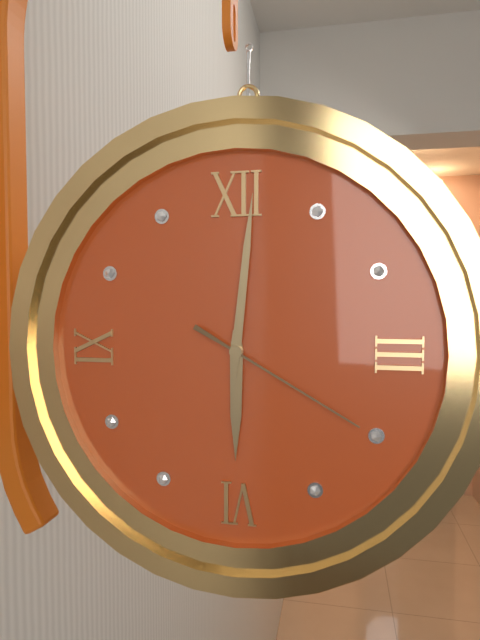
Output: {"hour": 6, "minute": 1, "second": 20}
